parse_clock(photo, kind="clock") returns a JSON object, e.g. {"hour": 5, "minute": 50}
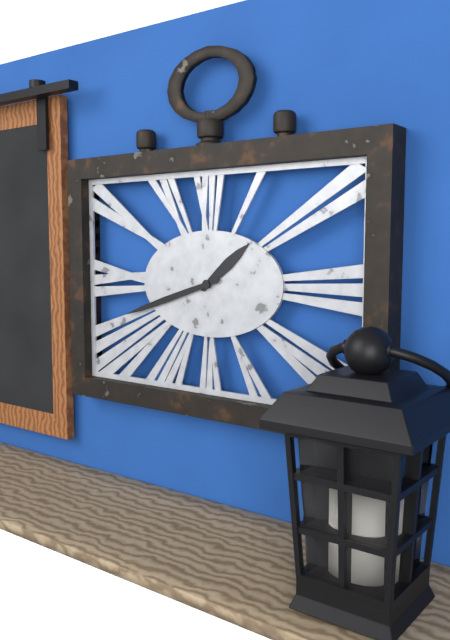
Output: {"hour": 1, "minute": 42}
